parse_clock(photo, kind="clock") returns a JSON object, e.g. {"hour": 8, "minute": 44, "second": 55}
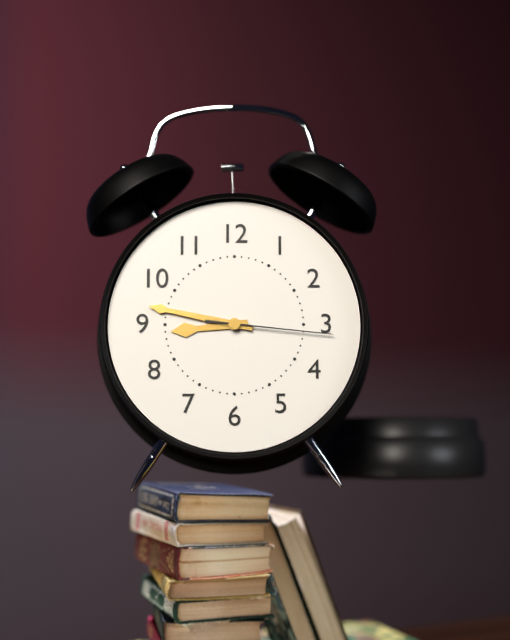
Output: {"hour": 8, "minute": 47, "second": 16}
